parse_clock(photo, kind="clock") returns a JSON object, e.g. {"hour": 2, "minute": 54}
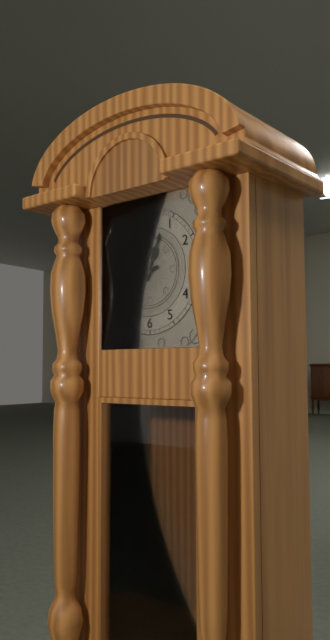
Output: {"hour": 12, "minute": 42}
